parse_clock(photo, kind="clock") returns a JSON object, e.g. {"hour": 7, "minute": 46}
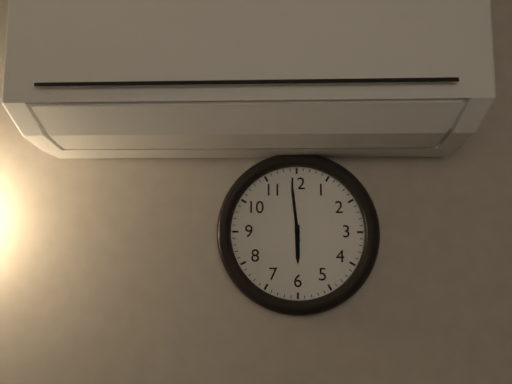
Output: {"hour": 5, "minute": 59}
